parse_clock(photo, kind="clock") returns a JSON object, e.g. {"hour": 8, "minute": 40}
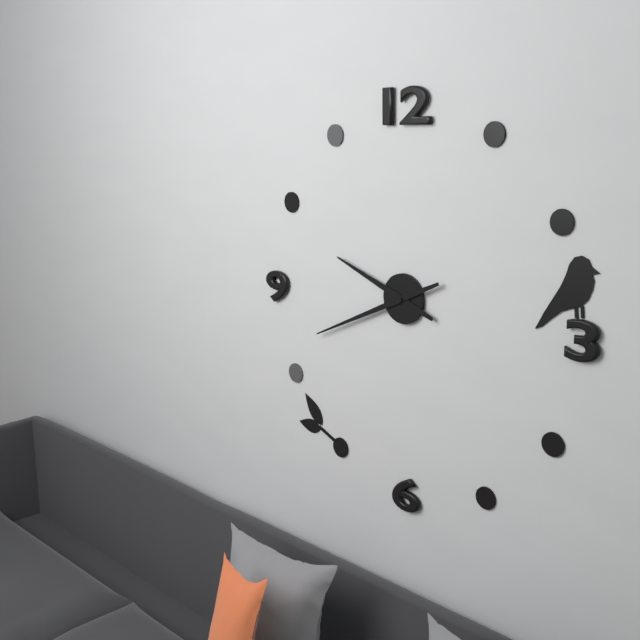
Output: {"hour": 9, "minute": 41}
